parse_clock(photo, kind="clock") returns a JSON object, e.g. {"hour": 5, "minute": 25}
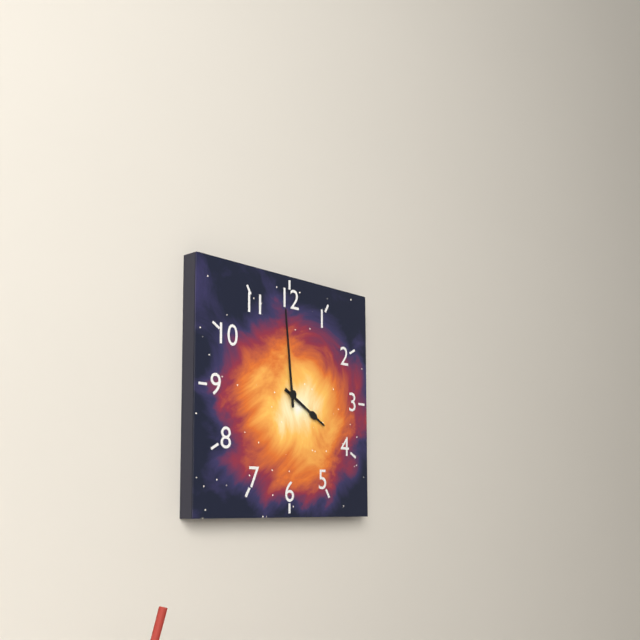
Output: {"hour": 3, "minute": 59}
